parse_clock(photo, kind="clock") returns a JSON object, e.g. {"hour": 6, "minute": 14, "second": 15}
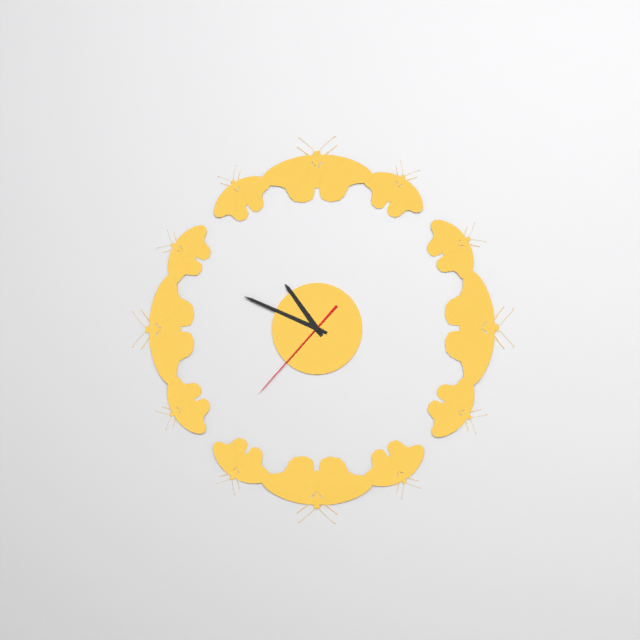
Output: {"hour": 10, "minute": 49, "second": 37}
